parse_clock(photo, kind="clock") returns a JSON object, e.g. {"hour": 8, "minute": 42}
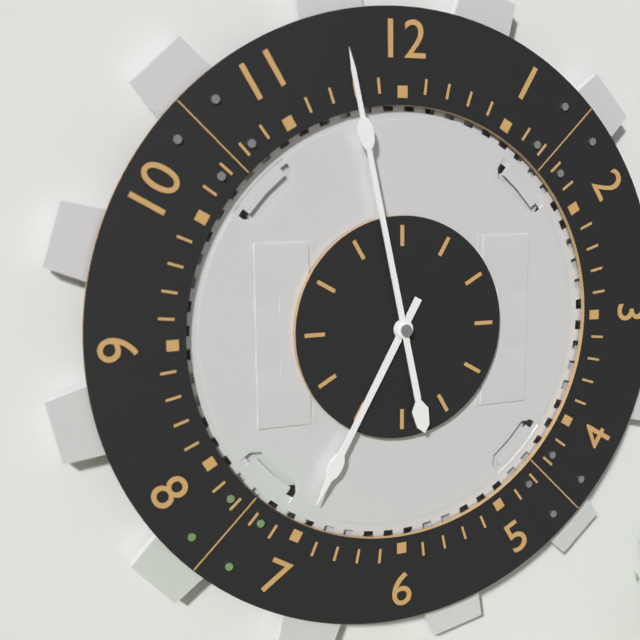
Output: {"hour": 6, "minute": 58}
